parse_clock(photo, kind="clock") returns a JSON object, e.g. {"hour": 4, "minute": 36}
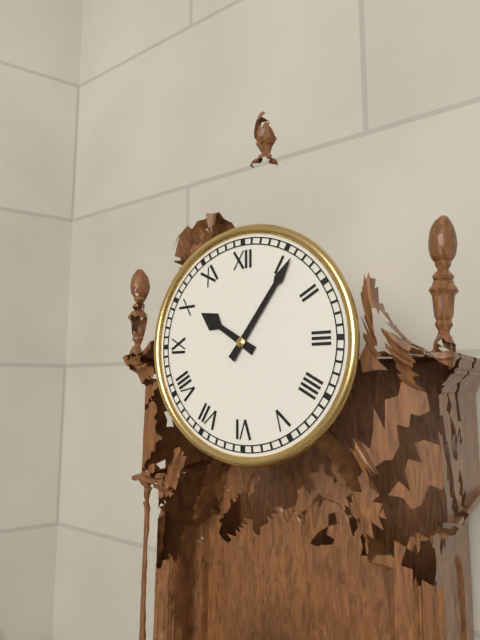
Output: {"hour": 10, "minute": 6}
